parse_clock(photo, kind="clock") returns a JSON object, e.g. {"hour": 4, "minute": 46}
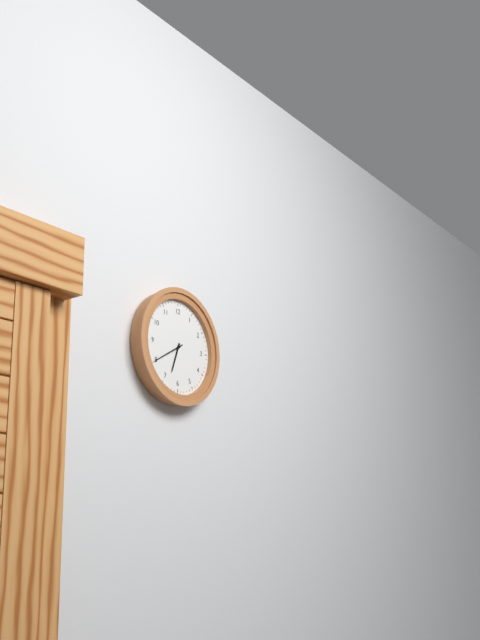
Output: {"hour": 6, "minute": 40}
